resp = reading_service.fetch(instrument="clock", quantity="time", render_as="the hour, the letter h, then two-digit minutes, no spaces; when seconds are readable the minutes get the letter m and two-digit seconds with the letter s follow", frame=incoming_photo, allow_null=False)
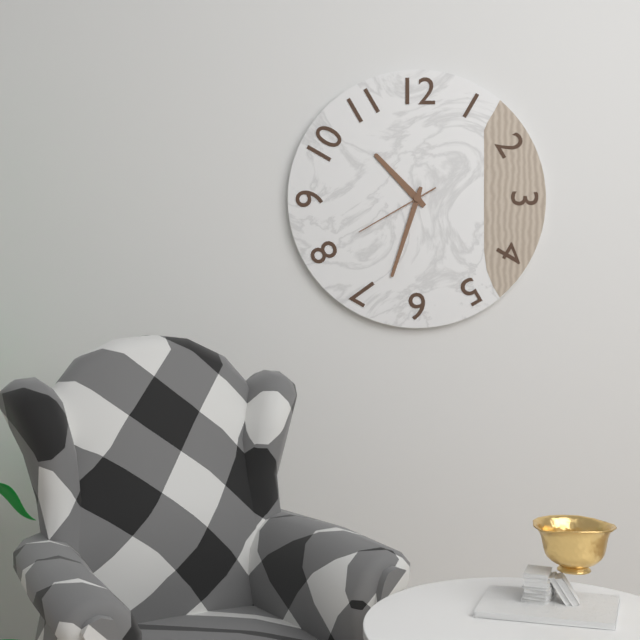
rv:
10h33m40s
